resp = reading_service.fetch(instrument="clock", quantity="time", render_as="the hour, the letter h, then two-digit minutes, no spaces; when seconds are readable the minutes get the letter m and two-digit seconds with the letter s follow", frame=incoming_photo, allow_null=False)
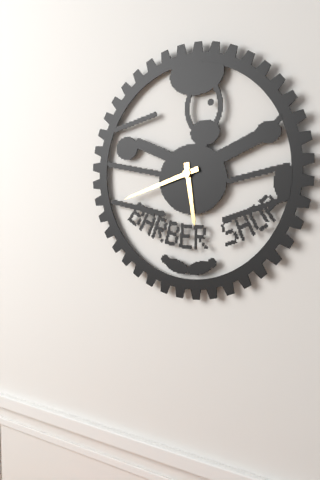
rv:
5h42
